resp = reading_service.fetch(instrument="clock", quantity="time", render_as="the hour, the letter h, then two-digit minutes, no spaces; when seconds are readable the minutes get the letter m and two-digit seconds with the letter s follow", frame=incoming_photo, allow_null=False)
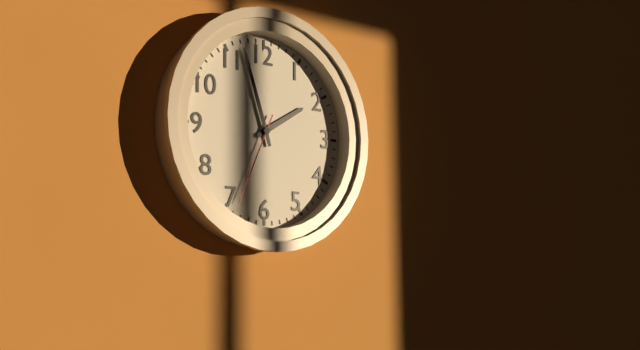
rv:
1h57m34s
